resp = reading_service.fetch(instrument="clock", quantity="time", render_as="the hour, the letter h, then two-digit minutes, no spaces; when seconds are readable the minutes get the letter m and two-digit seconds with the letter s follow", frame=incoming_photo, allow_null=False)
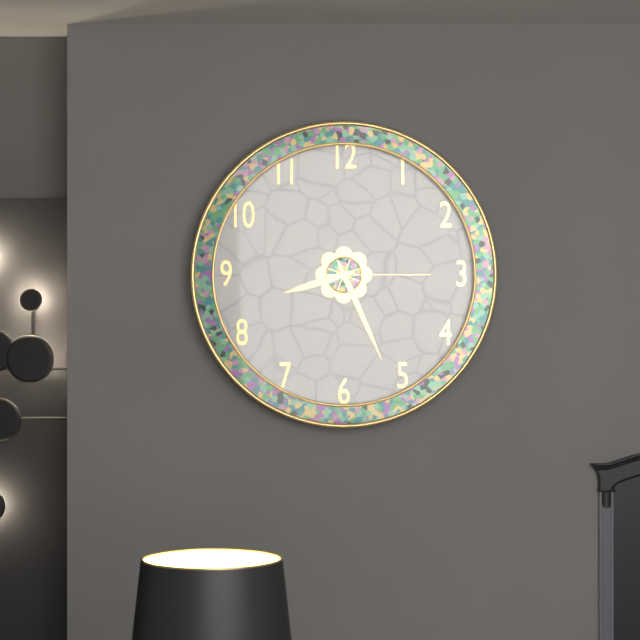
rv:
8h26m15s
